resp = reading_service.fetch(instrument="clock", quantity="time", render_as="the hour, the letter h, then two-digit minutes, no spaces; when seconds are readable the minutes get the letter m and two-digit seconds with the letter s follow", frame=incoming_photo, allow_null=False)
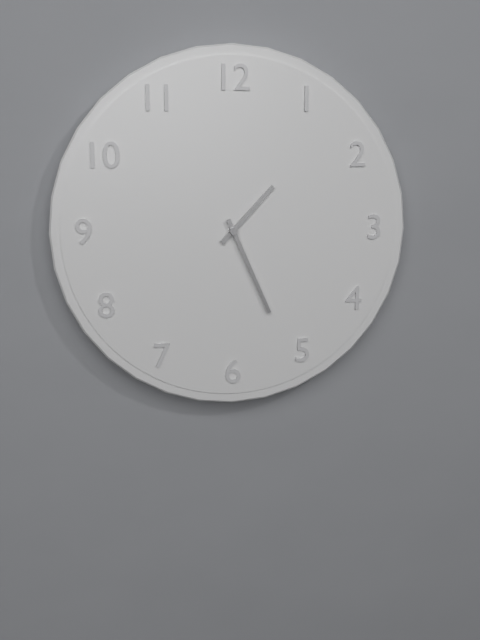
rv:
1h26
